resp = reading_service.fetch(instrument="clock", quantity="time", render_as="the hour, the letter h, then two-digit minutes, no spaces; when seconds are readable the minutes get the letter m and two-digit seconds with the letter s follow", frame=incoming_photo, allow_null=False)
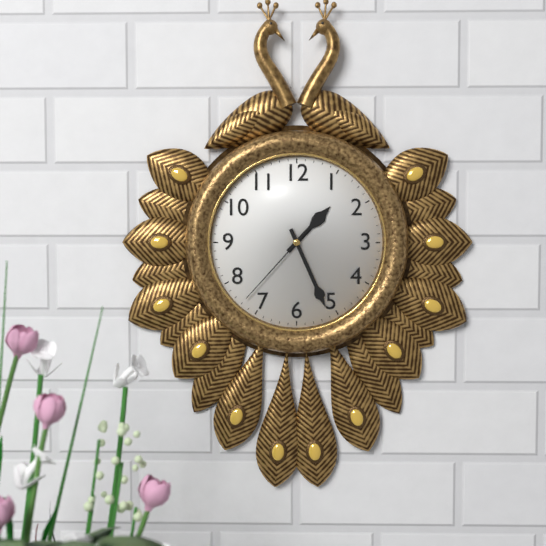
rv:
1h26m37s
